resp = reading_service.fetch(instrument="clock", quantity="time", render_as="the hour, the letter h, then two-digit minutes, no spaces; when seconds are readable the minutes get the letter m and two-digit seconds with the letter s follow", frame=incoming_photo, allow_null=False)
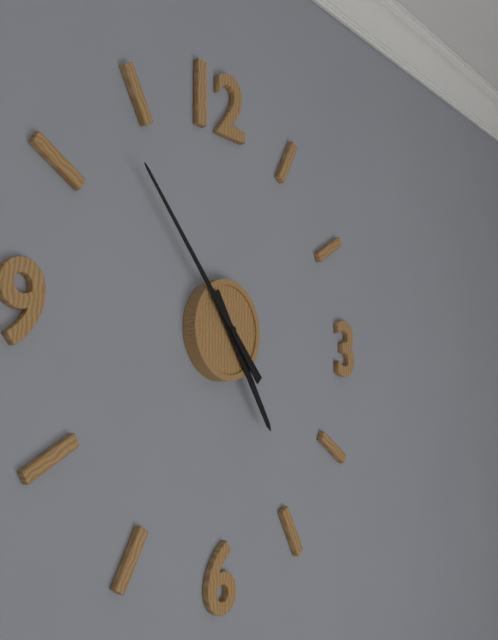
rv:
4h53
